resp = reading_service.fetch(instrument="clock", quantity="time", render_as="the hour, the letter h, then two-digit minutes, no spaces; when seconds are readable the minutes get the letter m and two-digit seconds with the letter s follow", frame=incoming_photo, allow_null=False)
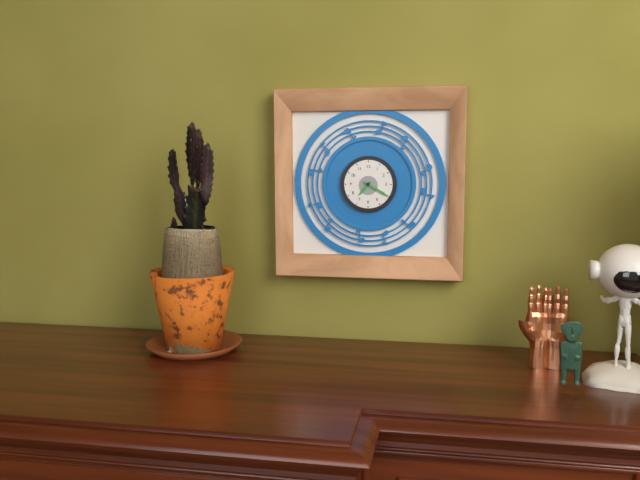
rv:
7h20
